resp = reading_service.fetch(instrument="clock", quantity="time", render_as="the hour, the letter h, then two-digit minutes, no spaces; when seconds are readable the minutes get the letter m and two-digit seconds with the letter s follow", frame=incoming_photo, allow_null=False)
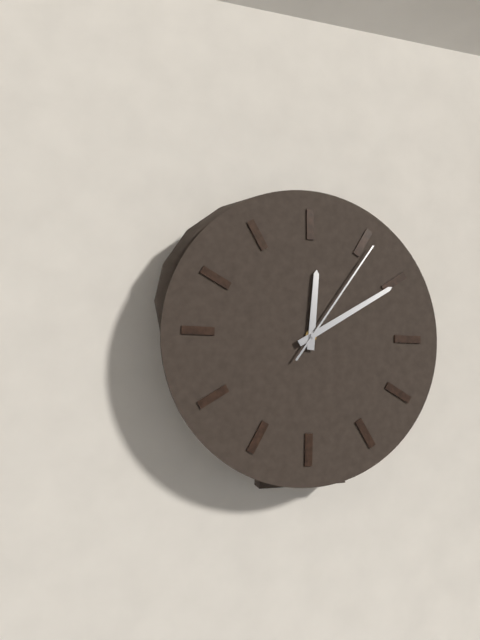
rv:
12h10m06s
